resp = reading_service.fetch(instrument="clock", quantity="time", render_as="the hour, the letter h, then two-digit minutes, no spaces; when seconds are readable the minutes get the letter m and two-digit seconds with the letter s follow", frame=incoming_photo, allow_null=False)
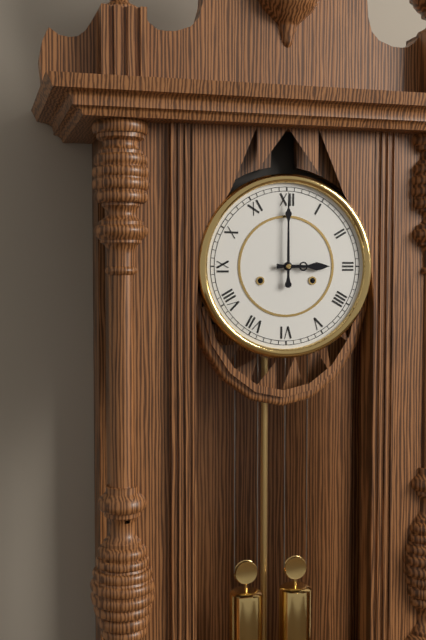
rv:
3h00
